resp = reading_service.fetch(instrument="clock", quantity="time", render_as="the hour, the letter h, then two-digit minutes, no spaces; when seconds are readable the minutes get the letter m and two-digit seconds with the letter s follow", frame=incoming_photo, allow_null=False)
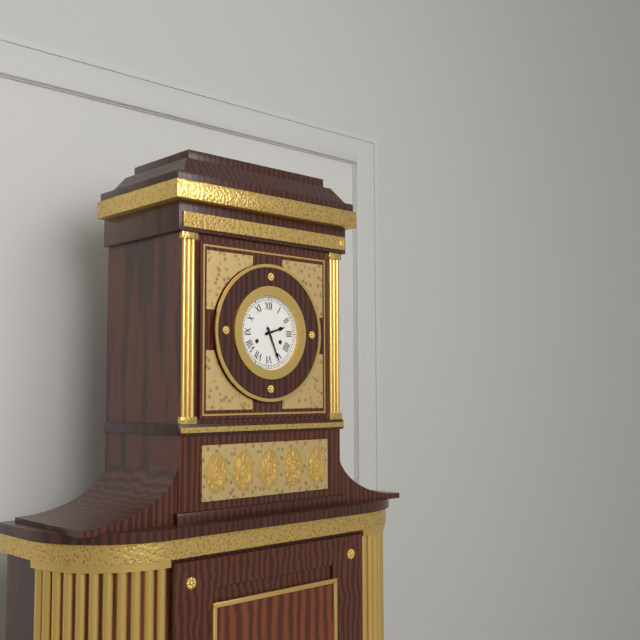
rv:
2h26
